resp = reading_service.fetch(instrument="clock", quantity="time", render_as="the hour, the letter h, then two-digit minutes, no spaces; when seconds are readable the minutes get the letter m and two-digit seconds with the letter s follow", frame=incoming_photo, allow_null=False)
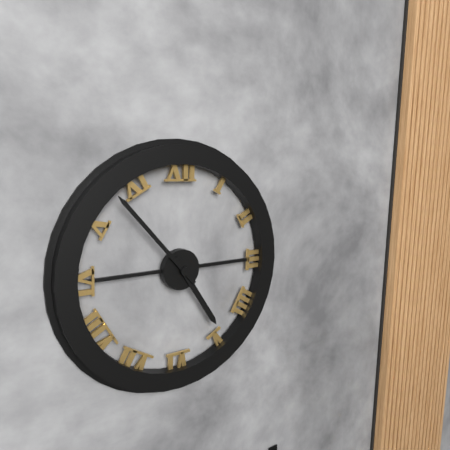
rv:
4h53
